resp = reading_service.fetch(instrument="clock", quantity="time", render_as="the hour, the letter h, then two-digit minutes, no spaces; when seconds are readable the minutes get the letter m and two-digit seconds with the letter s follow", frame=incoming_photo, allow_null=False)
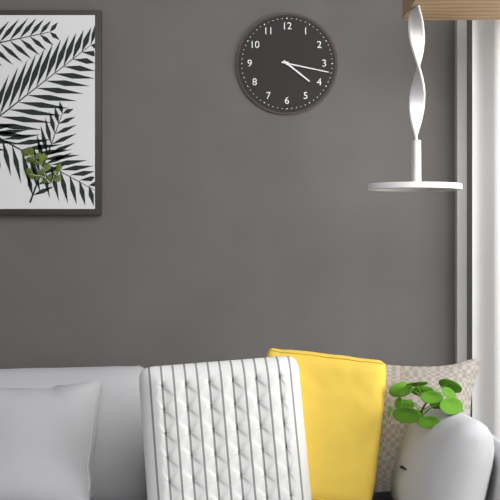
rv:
4h17
